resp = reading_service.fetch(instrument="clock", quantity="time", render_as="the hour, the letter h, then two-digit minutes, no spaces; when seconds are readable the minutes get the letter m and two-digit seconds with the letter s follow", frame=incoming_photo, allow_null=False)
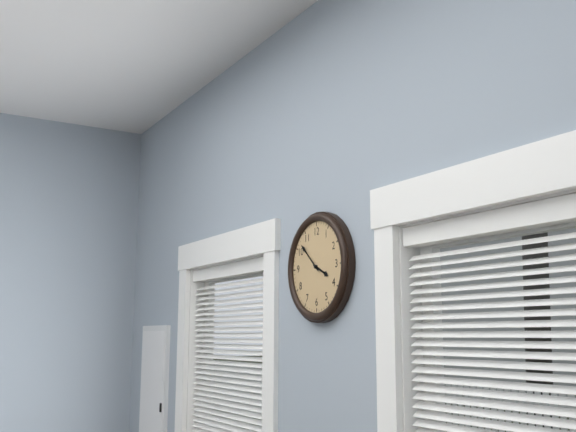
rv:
3h52
